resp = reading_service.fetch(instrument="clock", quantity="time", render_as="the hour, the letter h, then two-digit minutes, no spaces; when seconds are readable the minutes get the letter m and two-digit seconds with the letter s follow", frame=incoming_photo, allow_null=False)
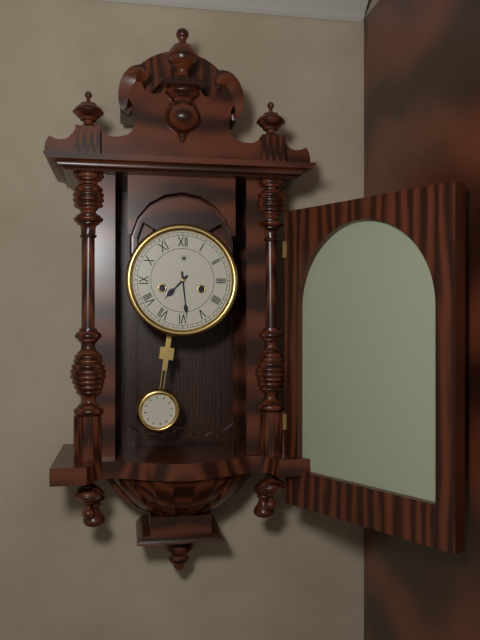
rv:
7h29
